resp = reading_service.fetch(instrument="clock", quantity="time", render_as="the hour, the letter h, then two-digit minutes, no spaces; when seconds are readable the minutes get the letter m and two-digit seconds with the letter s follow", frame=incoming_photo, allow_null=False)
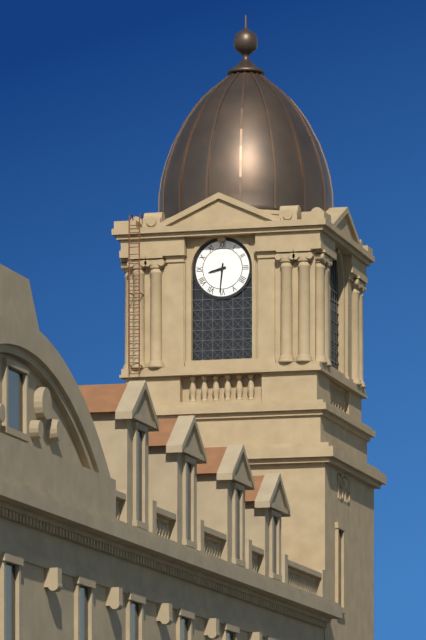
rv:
8h31
